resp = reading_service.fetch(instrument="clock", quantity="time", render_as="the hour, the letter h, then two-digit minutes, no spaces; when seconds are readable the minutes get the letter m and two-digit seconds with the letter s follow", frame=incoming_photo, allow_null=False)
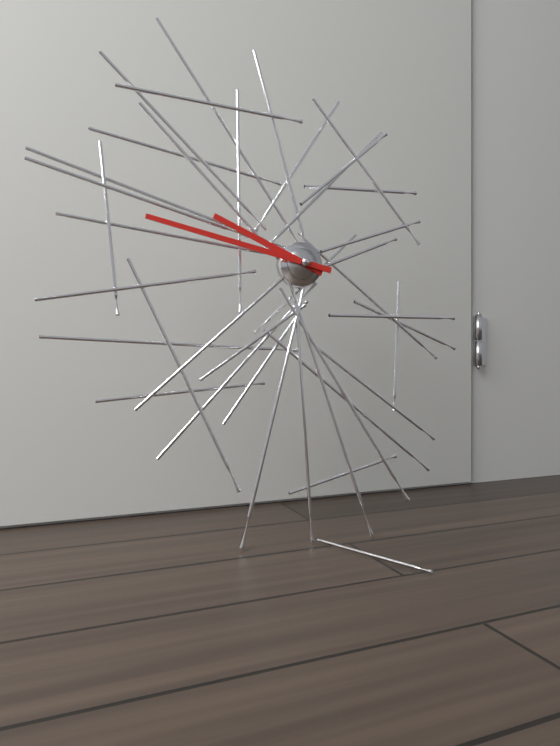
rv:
9h47
